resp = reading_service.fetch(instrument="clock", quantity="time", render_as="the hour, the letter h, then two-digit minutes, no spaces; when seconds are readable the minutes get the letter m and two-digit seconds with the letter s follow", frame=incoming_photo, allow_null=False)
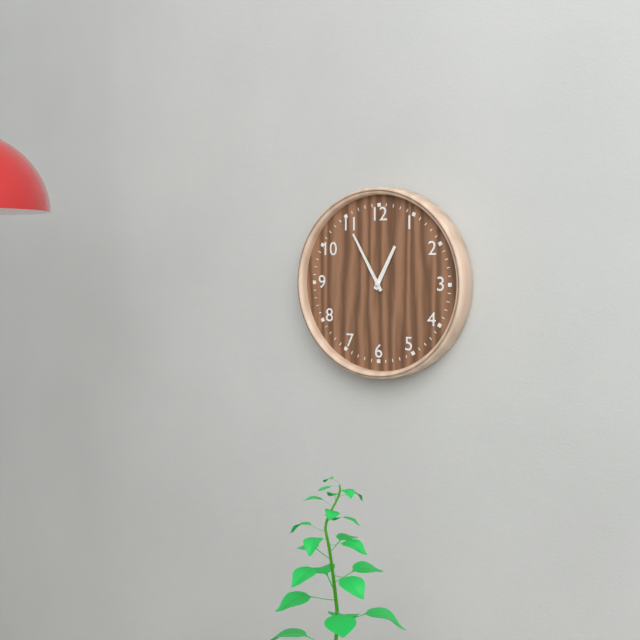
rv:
12h55
